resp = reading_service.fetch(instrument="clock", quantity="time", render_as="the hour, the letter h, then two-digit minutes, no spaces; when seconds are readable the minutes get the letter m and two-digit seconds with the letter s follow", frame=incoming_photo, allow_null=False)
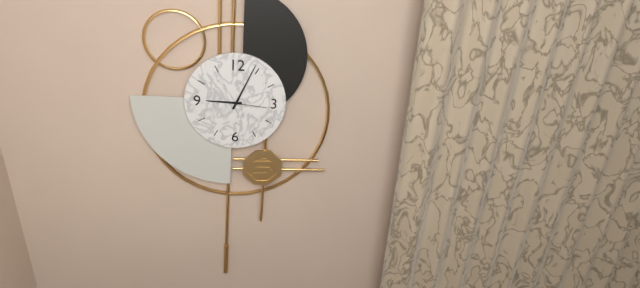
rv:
9h04
